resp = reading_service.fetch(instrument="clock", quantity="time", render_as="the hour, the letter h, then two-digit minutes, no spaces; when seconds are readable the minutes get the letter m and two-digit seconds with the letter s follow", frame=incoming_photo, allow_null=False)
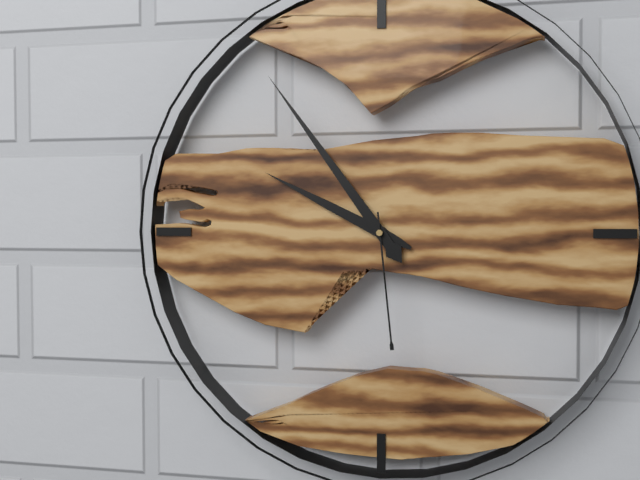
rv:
9h54m29s
